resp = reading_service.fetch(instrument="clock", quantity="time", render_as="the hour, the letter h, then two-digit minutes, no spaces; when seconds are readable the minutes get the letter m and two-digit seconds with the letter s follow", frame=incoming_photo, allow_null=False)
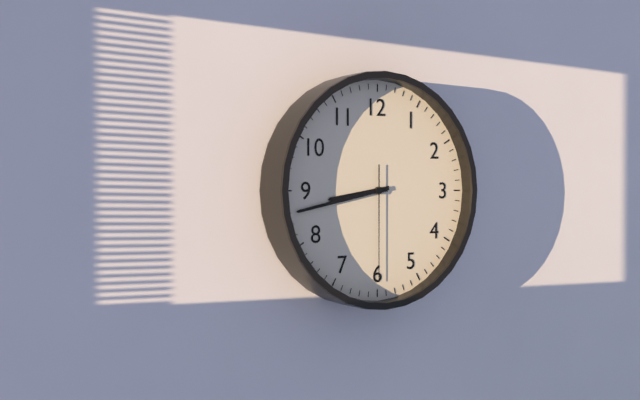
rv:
8h43m30s
